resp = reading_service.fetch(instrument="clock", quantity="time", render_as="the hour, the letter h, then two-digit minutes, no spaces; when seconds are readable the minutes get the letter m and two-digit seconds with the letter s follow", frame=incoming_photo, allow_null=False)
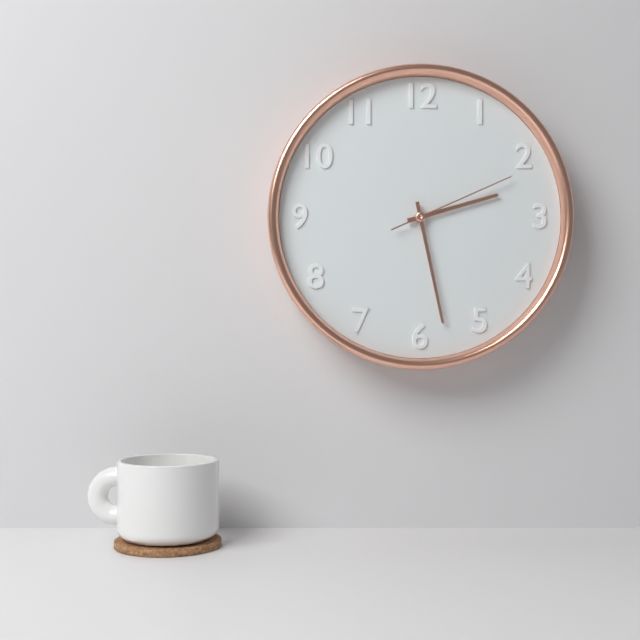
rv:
2h28m11s
